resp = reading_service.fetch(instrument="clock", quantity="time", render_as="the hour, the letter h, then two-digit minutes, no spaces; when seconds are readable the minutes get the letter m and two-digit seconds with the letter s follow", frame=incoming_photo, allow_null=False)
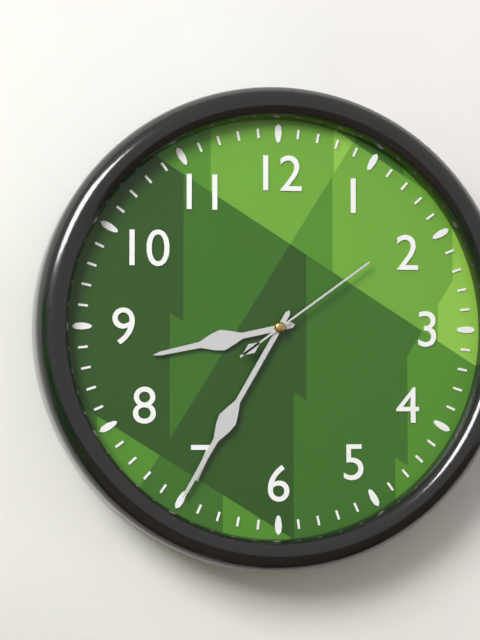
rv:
8h35m09s
